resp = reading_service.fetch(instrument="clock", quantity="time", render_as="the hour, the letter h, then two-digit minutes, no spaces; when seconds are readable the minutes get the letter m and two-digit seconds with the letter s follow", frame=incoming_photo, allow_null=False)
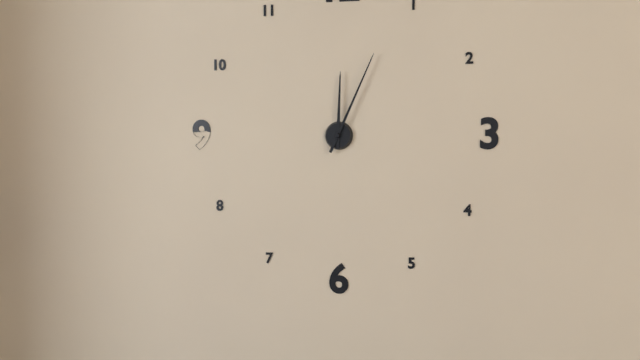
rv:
12h04
